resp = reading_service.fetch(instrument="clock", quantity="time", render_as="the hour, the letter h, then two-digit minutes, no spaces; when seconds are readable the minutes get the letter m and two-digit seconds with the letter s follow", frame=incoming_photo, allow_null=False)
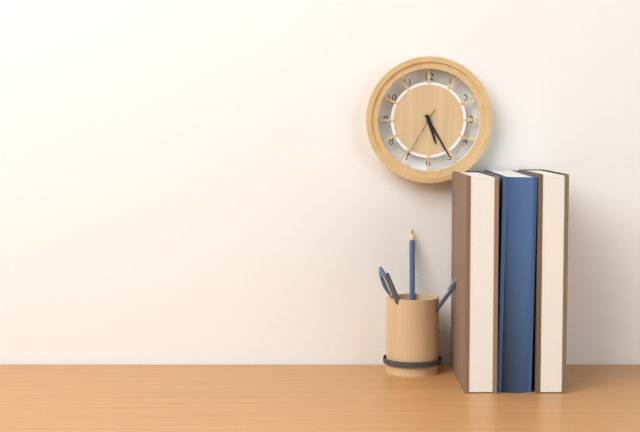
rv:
5h25m35s
